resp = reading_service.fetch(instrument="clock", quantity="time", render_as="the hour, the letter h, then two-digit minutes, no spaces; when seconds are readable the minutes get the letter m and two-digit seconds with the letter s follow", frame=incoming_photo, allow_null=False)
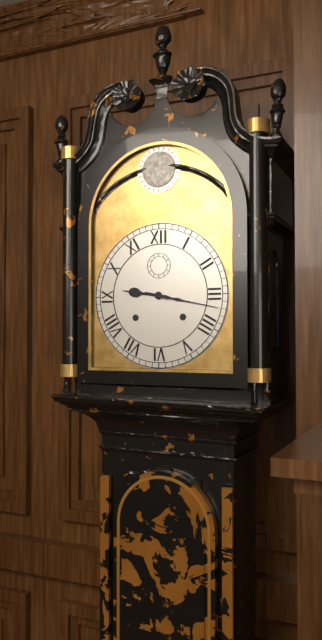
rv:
9h17
